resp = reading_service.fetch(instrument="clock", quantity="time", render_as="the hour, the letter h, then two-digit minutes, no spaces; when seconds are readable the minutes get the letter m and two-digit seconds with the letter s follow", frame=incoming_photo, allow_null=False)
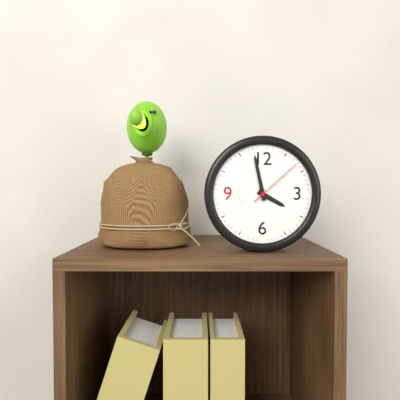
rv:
3h58m08s
